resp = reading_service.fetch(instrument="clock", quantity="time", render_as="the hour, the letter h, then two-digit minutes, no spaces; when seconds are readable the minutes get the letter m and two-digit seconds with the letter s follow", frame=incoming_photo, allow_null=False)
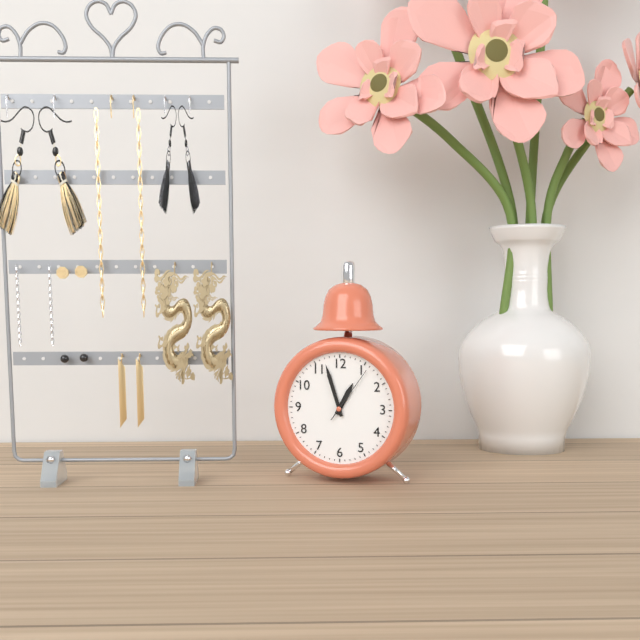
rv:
12h57m06s
